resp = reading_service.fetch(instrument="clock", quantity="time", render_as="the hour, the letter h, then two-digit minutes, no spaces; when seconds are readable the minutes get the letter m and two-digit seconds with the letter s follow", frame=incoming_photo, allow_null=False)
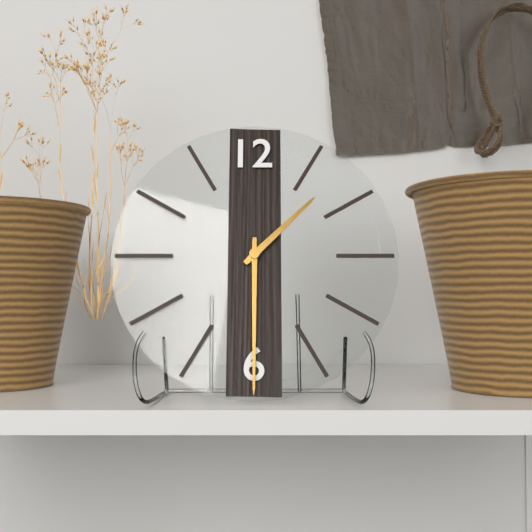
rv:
1h30
